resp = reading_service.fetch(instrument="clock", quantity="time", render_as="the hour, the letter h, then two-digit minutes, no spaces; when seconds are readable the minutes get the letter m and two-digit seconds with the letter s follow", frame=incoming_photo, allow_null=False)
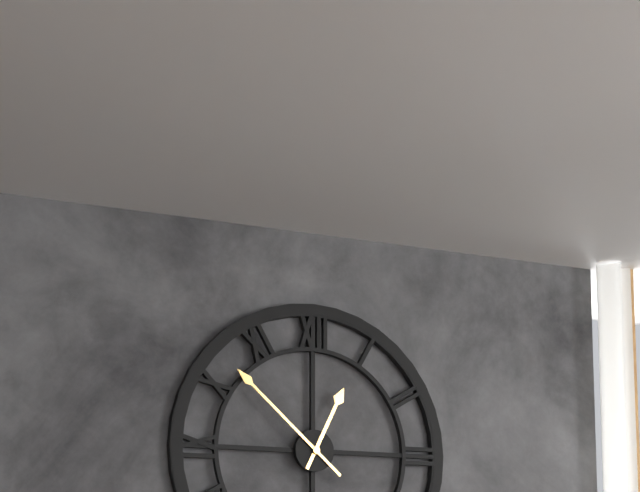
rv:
12h52
